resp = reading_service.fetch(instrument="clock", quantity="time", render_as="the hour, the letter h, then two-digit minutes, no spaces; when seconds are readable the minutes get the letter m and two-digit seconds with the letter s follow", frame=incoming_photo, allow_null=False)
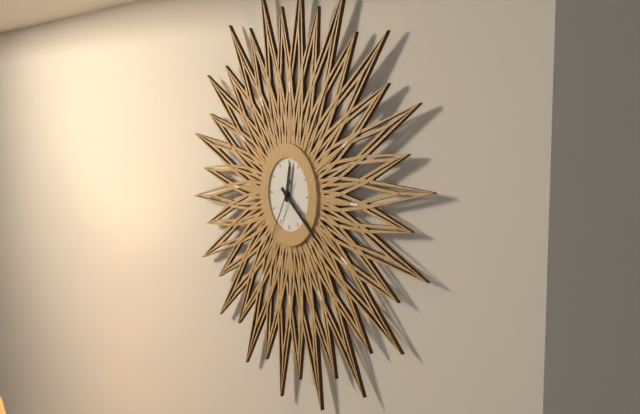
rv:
12h21m35s
